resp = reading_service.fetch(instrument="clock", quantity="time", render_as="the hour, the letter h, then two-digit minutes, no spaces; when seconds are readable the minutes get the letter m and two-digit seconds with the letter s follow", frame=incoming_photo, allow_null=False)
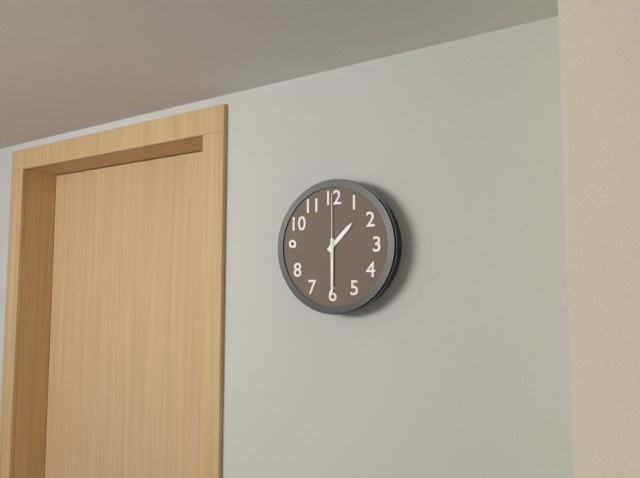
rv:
1h30m00s
